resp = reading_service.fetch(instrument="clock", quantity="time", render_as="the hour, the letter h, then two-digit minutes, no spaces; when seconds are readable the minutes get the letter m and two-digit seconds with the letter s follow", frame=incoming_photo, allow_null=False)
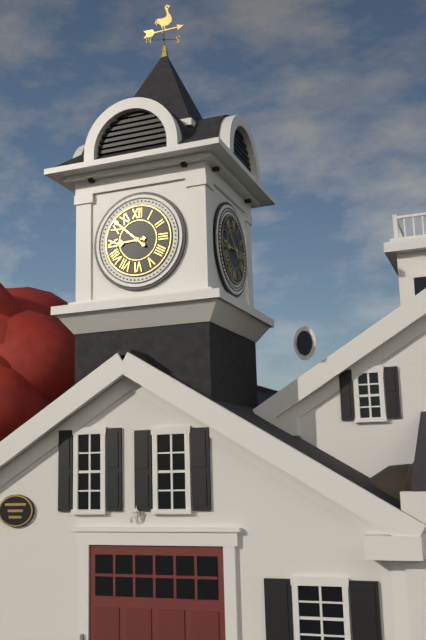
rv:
8h52
